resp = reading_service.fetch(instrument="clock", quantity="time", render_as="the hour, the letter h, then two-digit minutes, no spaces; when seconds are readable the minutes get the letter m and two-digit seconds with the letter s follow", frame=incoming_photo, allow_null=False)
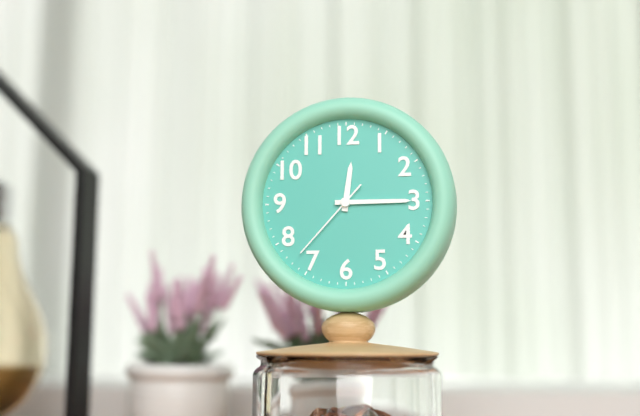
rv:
12h15m37s
